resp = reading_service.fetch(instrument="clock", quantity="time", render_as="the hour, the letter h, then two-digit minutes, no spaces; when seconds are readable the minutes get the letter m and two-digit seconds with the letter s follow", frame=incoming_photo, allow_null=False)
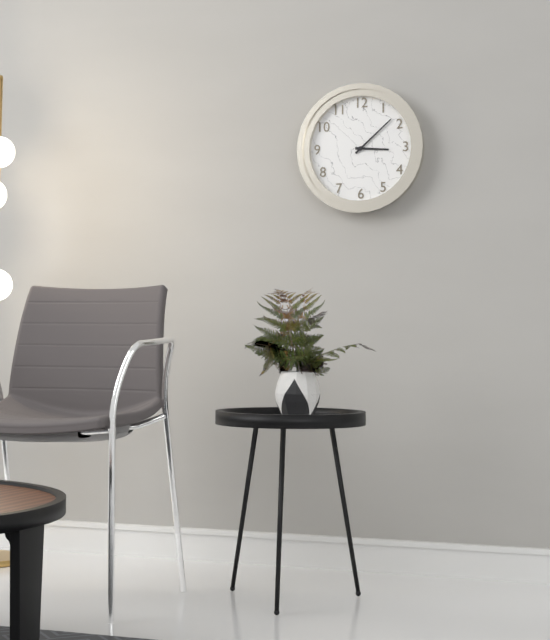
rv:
3h08
